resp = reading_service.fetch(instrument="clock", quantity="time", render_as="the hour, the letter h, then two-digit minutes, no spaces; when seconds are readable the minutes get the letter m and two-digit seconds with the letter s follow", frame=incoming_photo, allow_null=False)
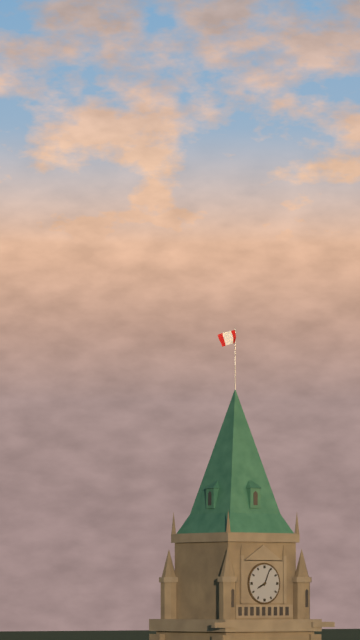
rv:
8h04
